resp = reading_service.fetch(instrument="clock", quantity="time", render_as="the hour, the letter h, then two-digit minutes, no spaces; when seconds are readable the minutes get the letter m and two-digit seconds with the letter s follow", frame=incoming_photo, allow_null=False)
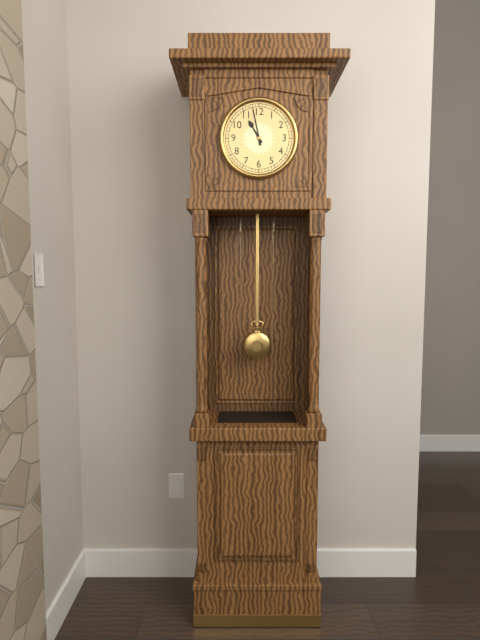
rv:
10h58
